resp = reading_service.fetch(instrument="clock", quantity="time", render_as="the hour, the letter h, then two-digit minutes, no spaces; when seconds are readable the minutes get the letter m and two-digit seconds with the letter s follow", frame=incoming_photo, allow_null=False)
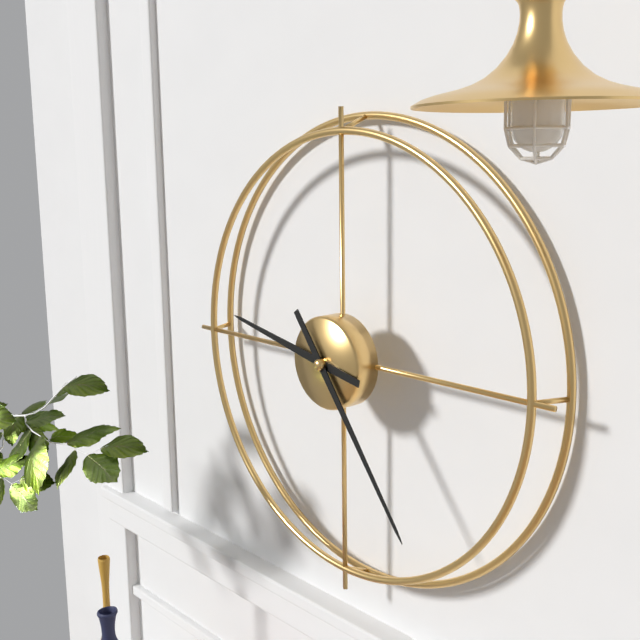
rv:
9h24
